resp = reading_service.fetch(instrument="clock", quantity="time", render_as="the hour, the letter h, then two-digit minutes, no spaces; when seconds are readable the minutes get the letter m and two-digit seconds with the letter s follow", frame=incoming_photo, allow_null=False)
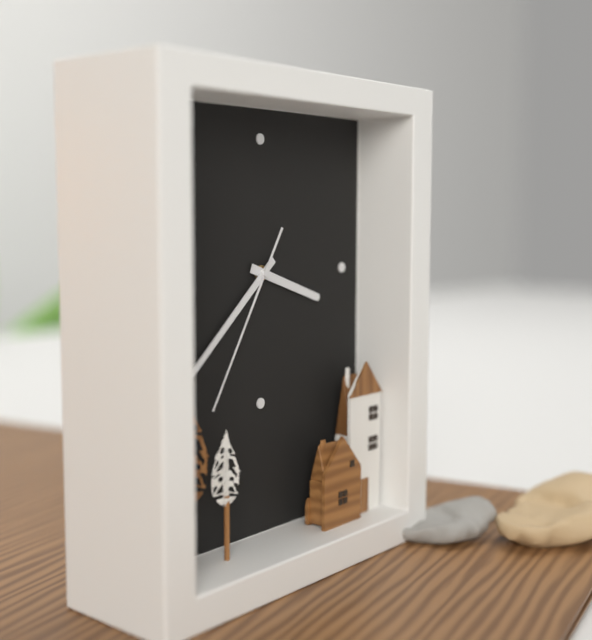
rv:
3h38m35s
